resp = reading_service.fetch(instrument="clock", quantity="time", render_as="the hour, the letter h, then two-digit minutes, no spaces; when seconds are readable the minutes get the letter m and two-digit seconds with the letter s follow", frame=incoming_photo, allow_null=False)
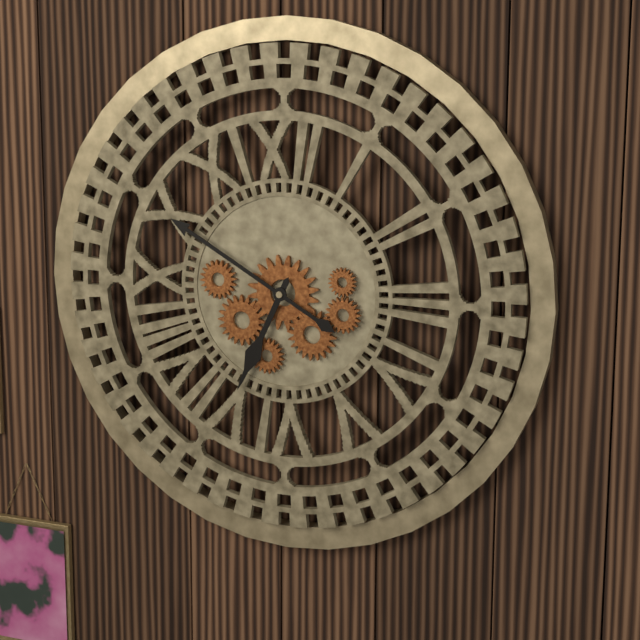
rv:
6h50
